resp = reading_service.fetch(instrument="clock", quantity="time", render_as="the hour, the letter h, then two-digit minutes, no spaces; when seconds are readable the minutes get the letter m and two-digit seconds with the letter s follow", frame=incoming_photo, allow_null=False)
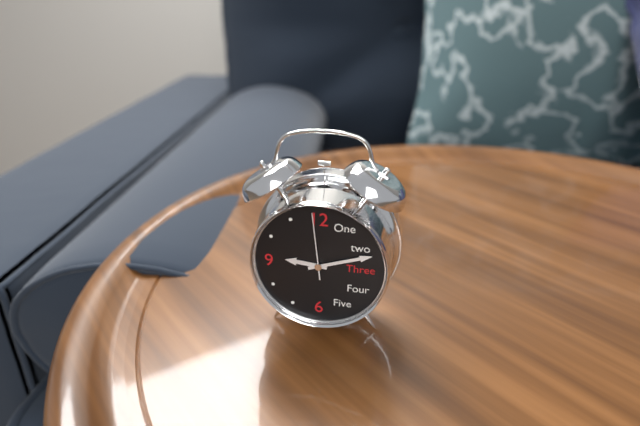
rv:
9h12m59s
